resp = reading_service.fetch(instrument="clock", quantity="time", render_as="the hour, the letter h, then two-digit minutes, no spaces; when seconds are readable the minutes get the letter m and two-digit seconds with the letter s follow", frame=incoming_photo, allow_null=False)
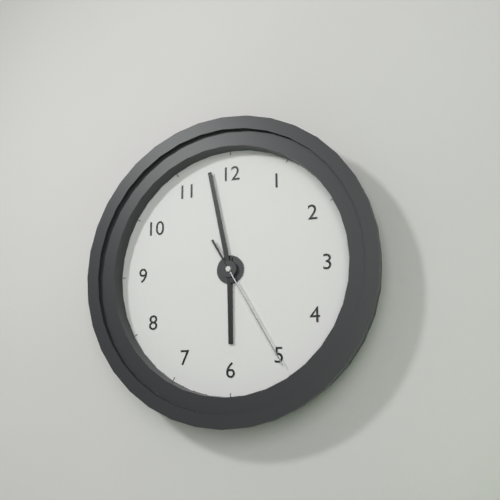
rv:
5h58m25s
